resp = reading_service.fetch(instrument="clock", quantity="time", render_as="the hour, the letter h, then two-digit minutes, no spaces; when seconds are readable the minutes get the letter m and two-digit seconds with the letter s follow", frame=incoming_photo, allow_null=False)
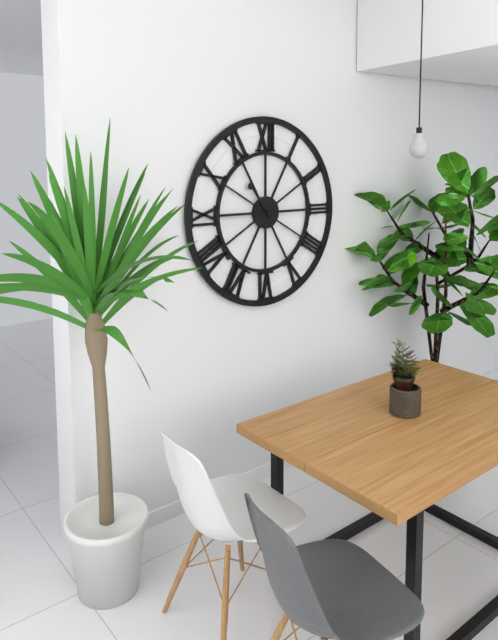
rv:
10h45
